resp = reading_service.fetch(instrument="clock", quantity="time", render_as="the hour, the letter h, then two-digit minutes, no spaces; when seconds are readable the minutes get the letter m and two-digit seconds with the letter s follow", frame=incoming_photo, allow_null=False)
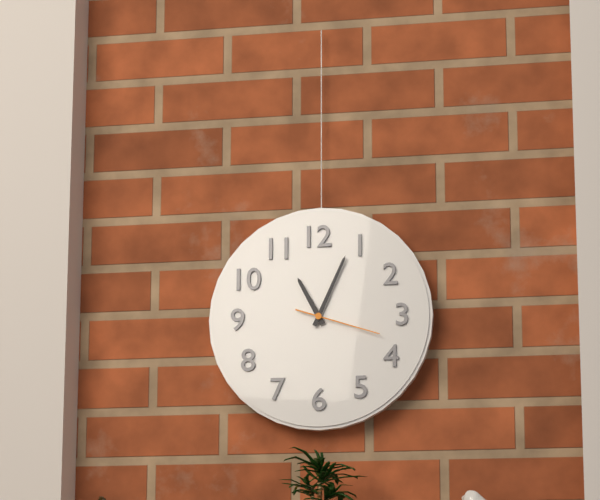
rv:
11h04m18s
